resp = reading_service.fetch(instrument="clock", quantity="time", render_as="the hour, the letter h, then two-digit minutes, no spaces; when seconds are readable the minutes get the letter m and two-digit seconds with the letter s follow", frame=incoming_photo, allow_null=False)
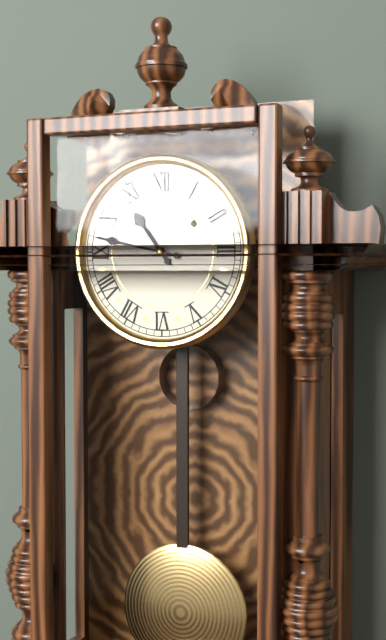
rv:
10h47
